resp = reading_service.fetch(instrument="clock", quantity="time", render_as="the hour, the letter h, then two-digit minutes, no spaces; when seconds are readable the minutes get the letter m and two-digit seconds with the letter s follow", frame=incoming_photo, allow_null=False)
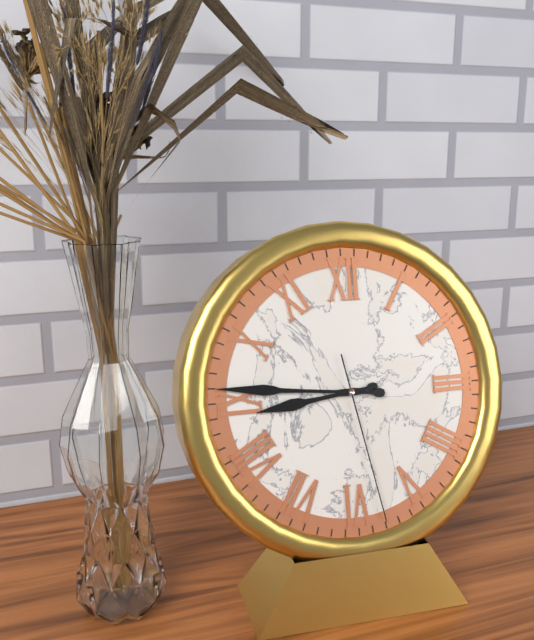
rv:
8h46m28s
